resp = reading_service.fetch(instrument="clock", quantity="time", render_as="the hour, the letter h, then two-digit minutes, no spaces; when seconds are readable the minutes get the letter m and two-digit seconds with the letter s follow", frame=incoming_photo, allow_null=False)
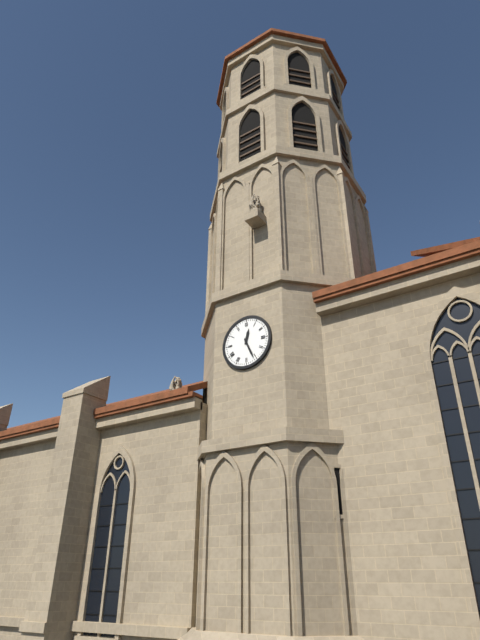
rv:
12h26
